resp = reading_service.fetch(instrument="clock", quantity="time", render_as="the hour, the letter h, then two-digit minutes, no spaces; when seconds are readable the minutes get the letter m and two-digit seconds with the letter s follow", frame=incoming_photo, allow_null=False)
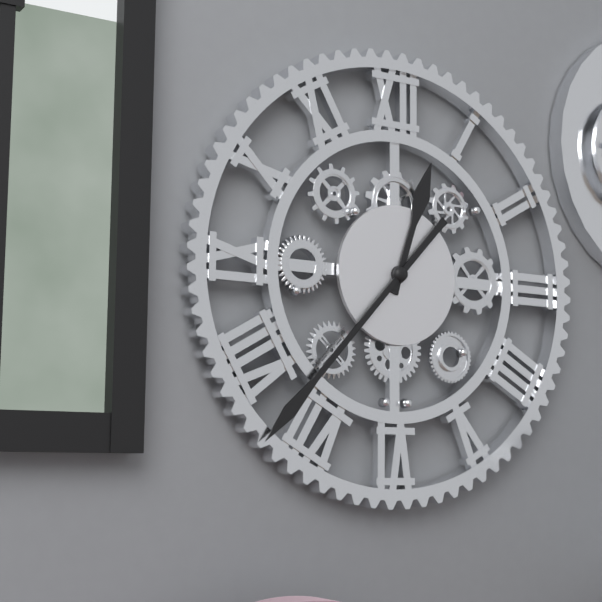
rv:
12h37
